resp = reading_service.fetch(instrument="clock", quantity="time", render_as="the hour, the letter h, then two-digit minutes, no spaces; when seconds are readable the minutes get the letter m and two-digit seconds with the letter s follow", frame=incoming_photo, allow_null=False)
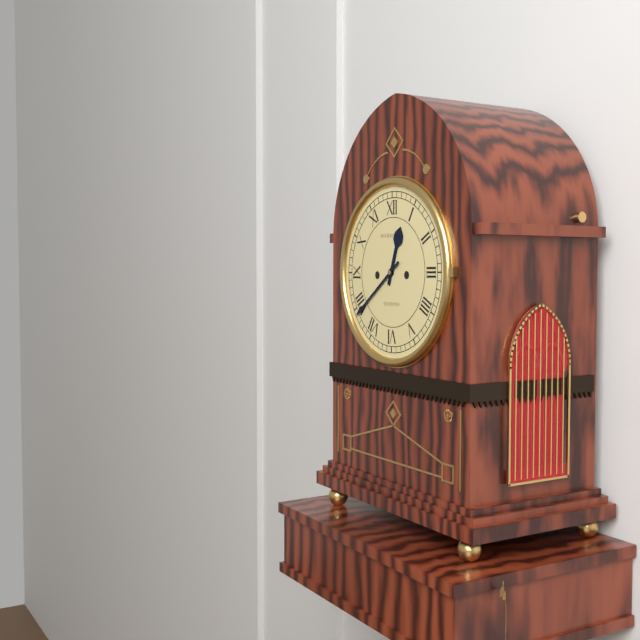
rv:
12h39
